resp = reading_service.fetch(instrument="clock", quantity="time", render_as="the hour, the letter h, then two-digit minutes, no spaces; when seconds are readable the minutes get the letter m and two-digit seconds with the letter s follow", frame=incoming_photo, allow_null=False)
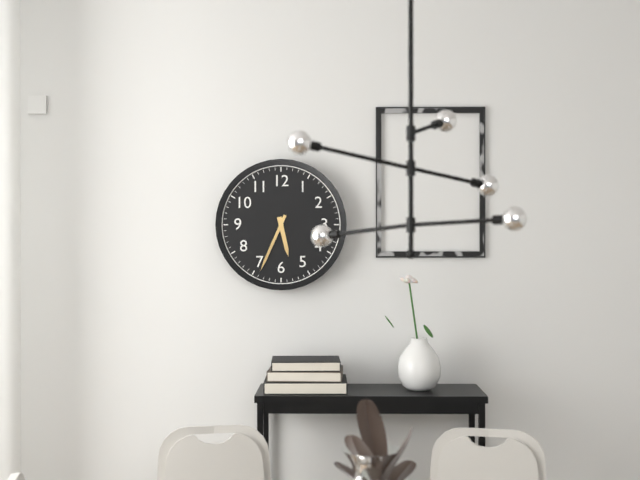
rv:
5h34
